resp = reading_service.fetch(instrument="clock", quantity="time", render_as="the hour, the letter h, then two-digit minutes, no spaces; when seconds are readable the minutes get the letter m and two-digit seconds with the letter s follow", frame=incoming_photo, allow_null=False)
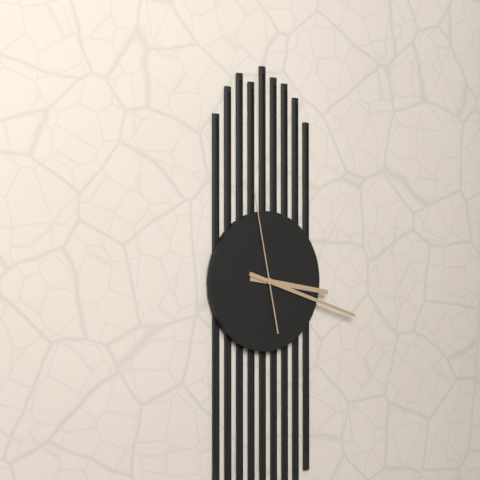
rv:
3h18m58s
